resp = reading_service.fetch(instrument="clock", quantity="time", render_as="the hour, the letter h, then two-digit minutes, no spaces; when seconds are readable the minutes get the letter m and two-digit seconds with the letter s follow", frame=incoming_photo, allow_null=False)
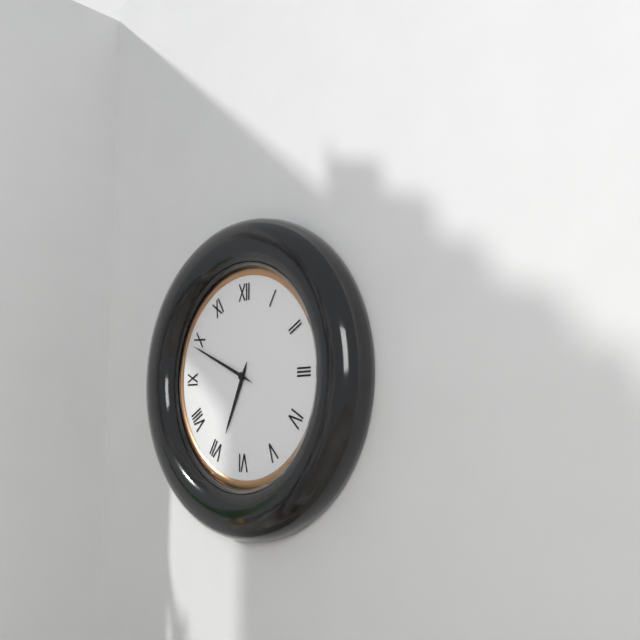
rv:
6h49
